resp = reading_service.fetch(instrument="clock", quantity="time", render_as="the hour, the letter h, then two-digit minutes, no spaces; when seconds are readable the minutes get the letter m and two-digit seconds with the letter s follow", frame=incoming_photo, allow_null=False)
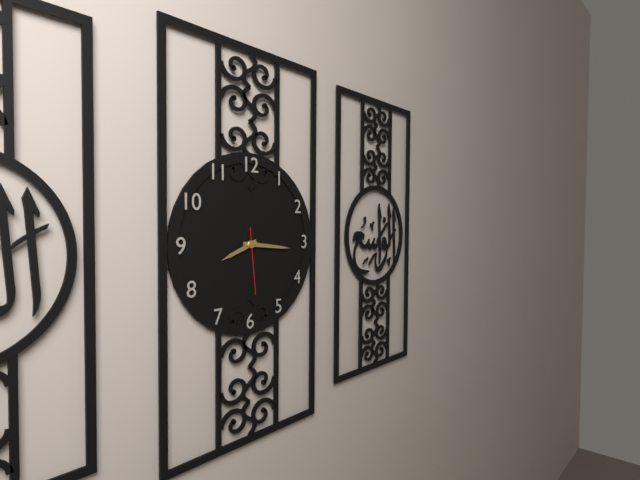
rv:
8h16m29s
